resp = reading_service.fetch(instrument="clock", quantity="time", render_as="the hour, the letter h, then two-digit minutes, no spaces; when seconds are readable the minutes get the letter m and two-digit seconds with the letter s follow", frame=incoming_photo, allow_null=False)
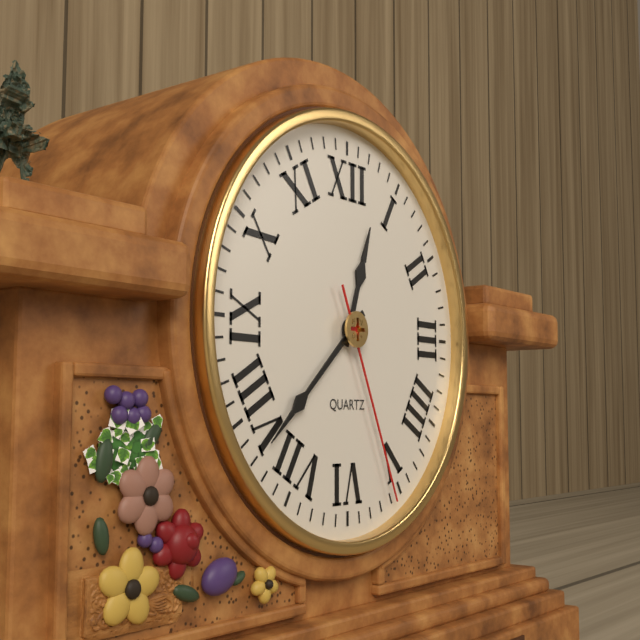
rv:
12h38m26s
